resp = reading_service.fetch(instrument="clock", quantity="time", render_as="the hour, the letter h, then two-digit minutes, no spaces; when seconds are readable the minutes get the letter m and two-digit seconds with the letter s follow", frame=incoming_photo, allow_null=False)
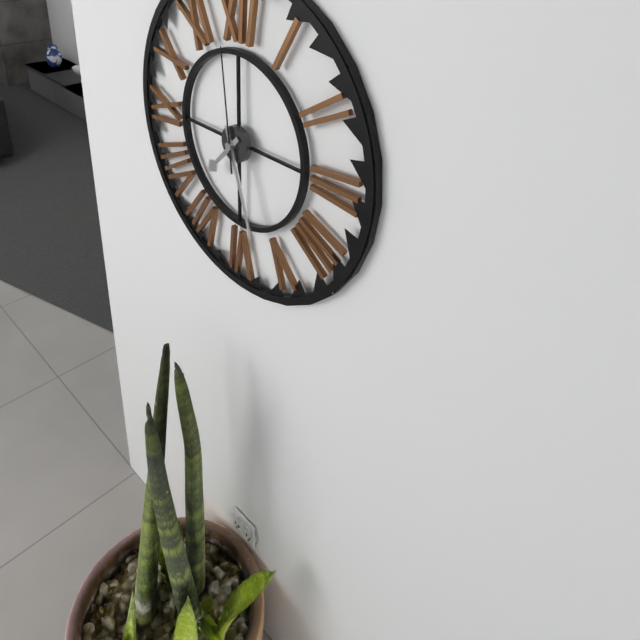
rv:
7h27m59s
